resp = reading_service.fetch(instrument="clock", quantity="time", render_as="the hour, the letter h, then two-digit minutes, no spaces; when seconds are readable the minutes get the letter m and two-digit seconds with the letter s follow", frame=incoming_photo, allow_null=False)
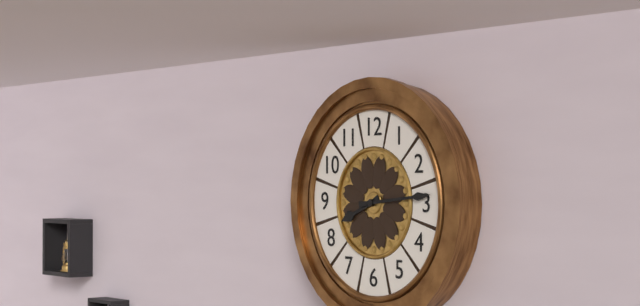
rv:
8h14
